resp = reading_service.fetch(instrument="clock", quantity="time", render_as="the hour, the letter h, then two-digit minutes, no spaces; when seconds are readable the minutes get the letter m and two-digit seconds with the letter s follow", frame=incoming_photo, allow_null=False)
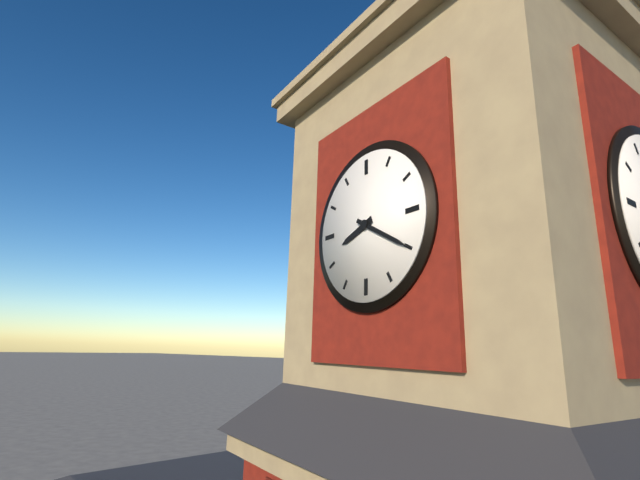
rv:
8h20
